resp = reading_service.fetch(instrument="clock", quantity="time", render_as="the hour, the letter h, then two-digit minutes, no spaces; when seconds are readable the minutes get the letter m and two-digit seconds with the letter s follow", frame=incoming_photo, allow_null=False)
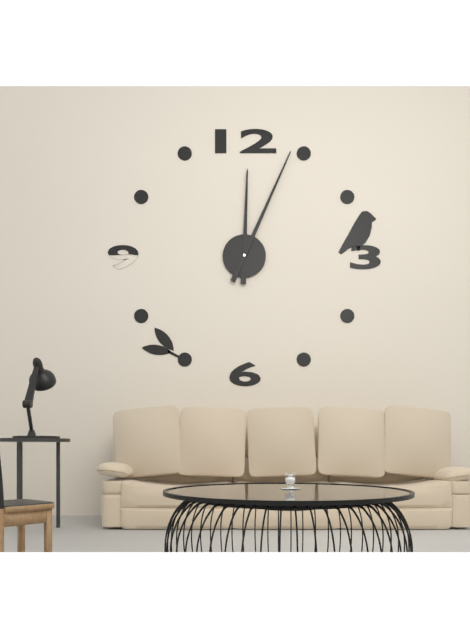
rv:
12h04
